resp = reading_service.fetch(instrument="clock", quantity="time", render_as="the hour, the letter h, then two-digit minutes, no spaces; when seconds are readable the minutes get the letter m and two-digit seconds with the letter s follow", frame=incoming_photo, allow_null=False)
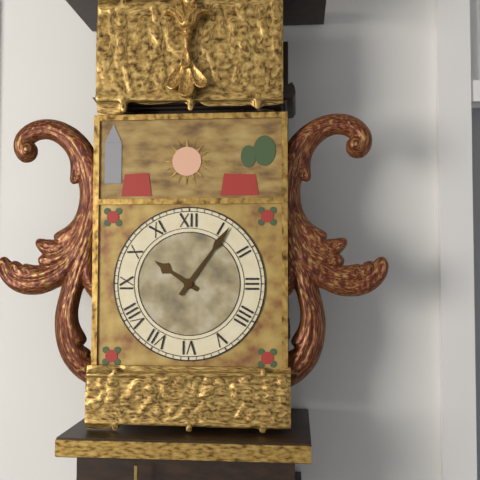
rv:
10h06
